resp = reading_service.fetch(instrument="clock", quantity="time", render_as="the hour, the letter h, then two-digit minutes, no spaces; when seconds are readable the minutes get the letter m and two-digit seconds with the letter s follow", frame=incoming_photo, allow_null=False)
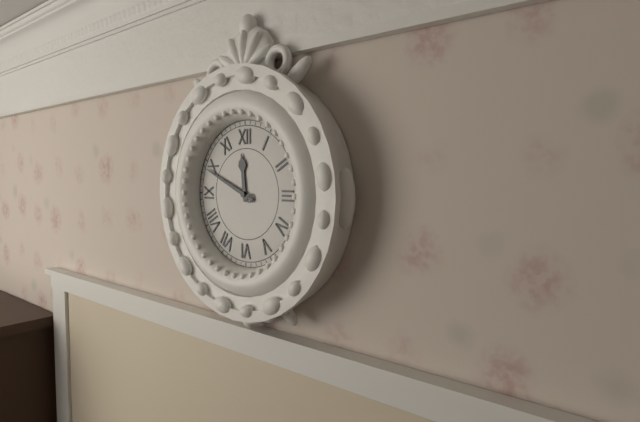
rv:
11h49
